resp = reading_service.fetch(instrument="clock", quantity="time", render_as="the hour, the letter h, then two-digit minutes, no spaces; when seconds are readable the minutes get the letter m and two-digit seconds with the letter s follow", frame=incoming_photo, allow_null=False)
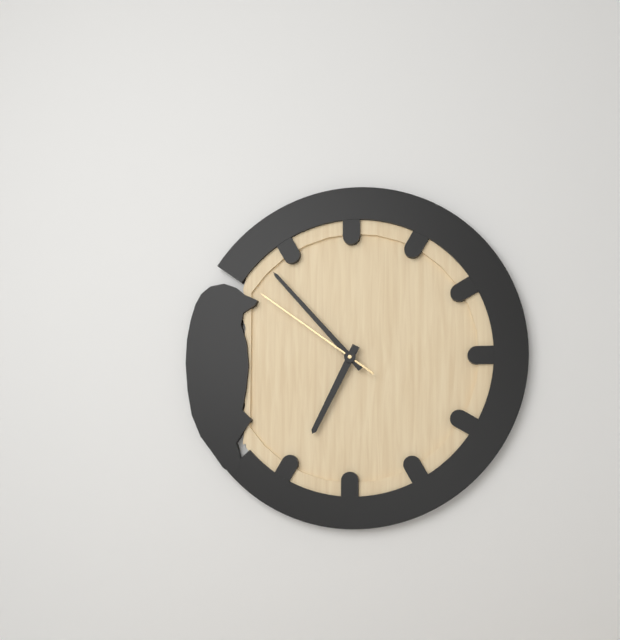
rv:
6h53m51s
